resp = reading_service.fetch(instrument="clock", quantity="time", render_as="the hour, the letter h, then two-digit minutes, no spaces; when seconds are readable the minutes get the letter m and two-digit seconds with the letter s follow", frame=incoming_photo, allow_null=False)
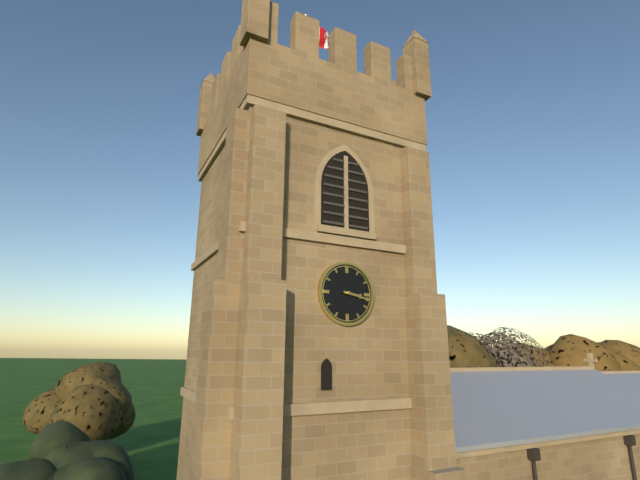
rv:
3h17
